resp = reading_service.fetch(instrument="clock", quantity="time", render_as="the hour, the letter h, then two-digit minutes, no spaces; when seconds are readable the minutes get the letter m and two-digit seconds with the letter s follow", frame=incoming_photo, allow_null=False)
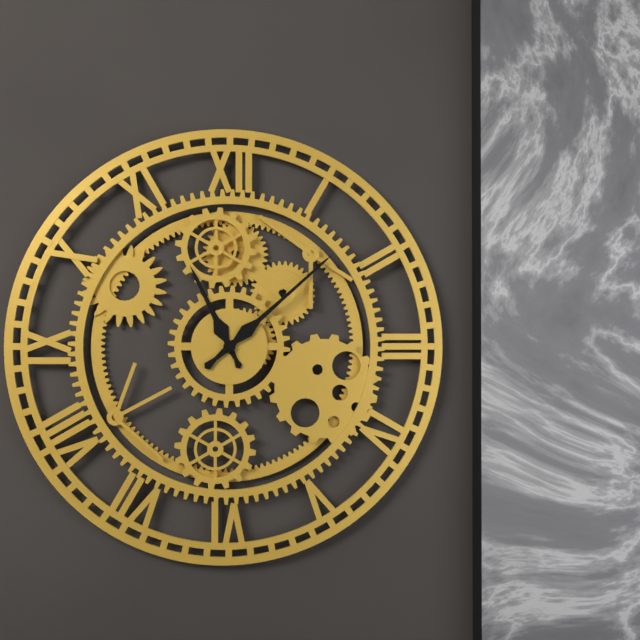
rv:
11h08
